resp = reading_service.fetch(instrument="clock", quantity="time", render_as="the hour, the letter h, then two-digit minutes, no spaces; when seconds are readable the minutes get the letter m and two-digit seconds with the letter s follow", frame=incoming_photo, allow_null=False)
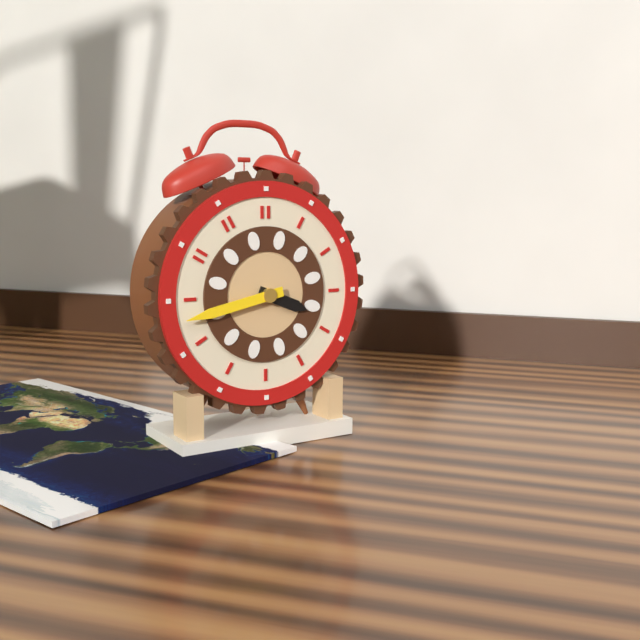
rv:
3h43
